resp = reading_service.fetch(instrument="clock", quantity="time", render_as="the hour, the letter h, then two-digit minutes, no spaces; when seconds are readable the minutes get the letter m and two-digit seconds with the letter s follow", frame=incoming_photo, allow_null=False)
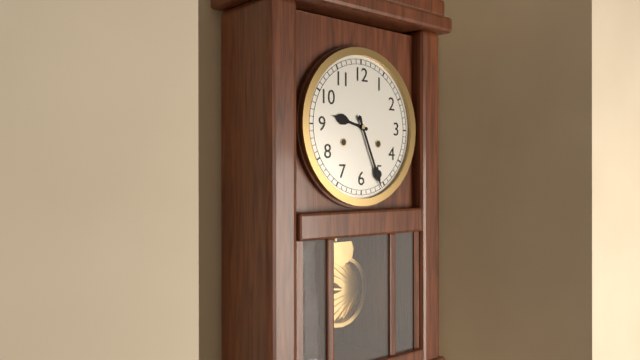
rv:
9h26
